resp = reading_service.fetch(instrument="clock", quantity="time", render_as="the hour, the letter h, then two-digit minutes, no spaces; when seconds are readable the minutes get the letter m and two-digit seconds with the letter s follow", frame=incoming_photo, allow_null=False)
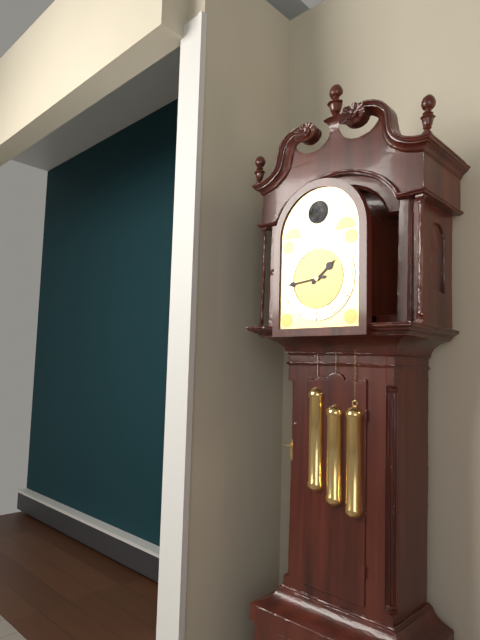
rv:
1h44
